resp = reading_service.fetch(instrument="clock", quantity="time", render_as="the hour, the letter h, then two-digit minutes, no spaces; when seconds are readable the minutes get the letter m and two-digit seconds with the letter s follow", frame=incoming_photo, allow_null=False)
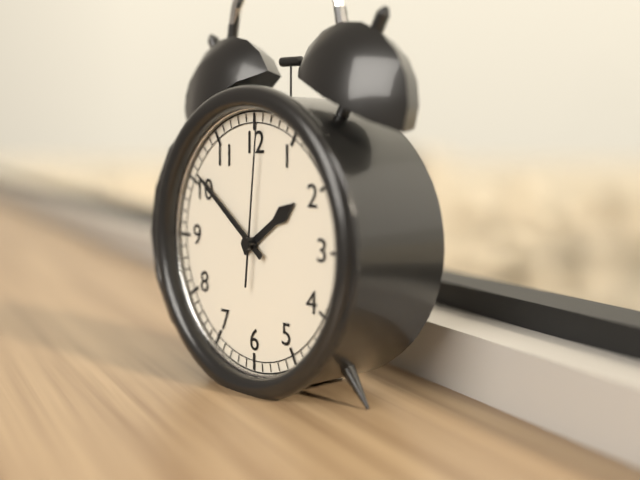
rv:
1h51m01s
